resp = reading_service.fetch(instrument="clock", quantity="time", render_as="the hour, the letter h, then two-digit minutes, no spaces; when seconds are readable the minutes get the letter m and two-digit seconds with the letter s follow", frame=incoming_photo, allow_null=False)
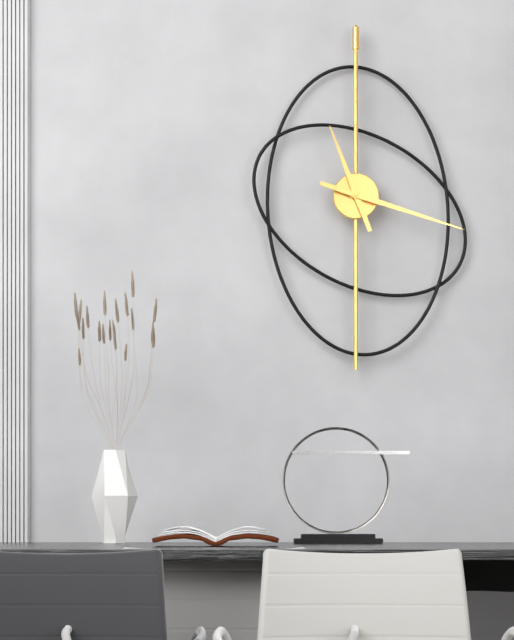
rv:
11h18
